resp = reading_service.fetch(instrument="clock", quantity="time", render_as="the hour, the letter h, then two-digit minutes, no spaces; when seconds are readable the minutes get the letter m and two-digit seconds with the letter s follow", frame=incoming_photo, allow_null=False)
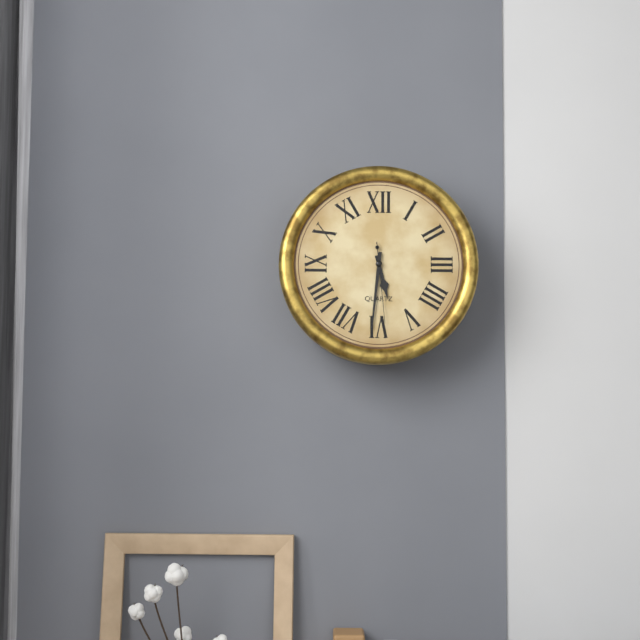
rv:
5h31m29s
